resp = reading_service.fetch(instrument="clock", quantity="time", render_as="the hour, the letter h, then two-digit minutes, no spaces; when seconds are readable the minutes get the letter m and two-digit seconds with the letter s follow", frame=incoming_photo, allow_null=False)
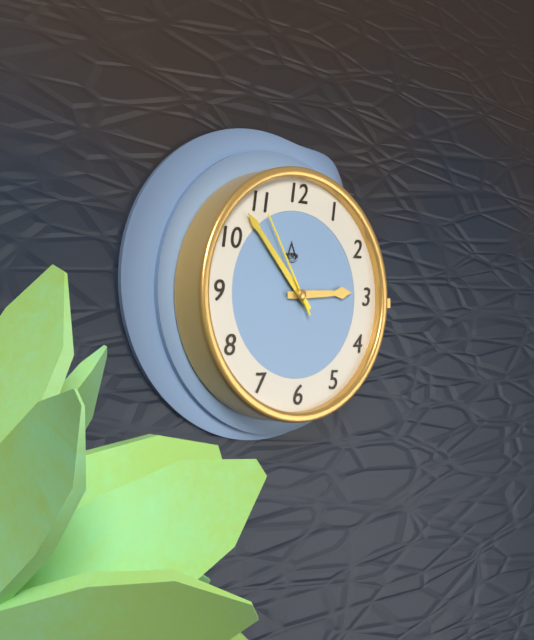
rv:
2h53m55s
